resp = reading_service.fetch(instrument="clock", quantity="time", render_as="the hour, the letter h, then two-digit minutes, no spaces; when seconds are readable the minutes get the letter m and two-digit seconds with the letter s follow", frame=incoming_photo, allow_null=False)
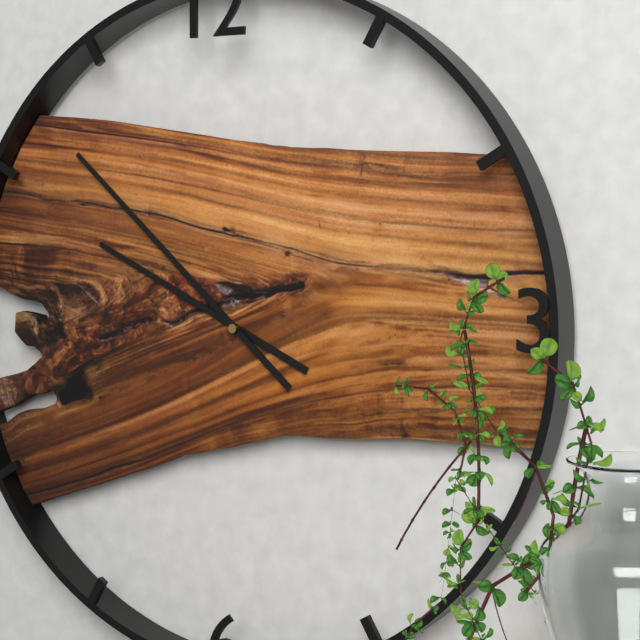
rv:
9h52
